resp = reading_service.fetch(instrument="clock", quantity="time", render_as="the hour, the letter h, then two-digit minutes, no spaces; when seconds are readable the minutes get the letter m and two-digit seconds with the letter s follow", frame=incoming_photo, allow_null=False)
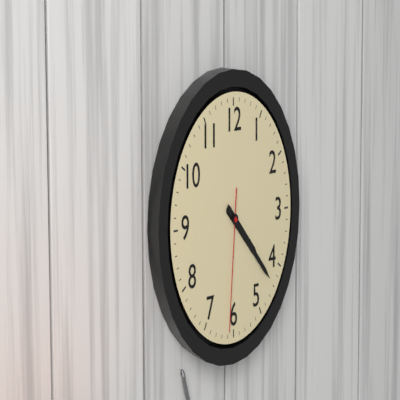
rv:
4h22m31s
